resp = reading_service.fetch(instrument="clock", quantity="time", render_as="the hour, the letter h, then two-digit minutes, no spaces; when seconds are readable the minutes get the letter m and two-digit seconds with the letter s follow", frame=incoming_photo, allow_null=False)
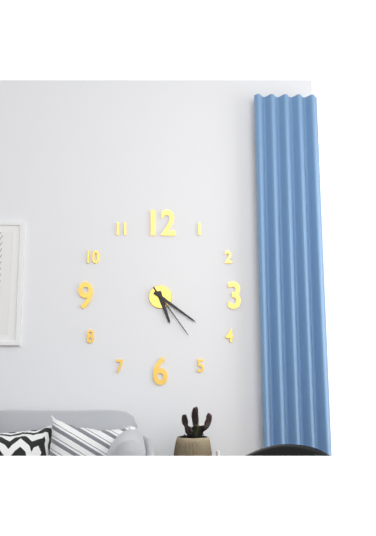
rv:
5h21m24s
